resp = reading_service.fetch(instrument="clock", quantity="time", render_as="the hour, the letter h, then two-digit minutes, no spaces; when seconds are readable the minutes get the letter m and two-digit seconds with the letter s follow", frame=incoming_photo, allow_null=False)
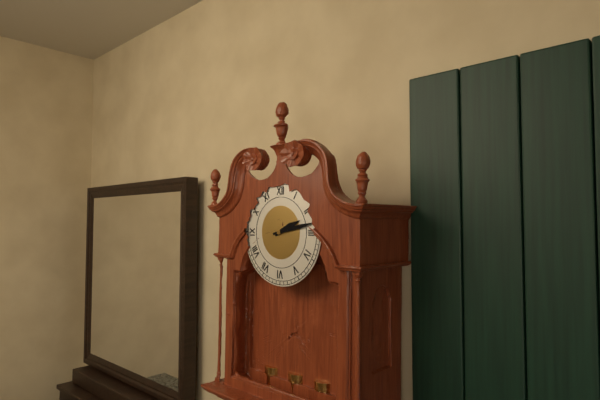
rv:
2h13
